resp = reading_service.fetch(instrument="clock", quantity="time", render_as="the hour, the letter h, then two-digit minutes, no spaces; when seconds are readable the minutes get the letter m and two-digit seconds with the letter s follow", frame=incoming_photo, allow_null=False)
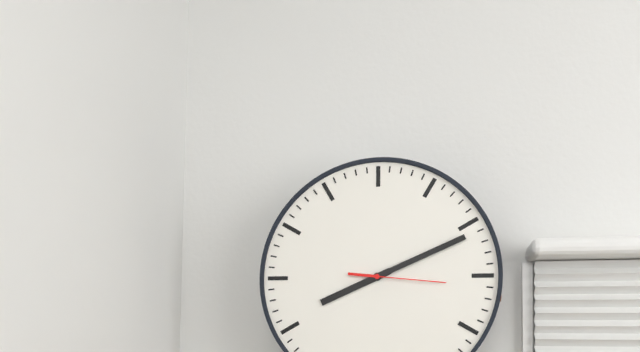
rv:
8h11m16s
